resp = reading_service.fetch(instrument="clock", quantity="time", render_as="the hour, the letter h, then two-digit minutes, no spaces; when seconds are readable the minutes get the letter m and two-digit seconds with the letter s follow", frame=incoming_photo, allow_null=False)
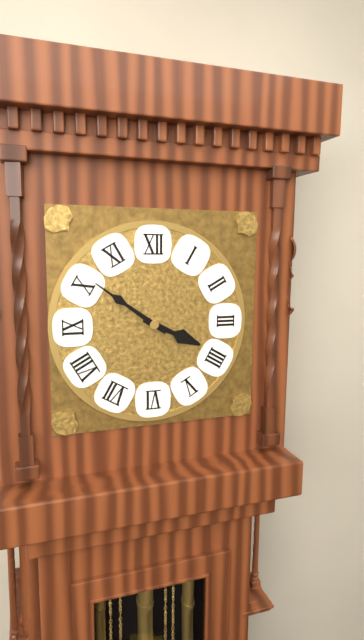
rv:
3h51
